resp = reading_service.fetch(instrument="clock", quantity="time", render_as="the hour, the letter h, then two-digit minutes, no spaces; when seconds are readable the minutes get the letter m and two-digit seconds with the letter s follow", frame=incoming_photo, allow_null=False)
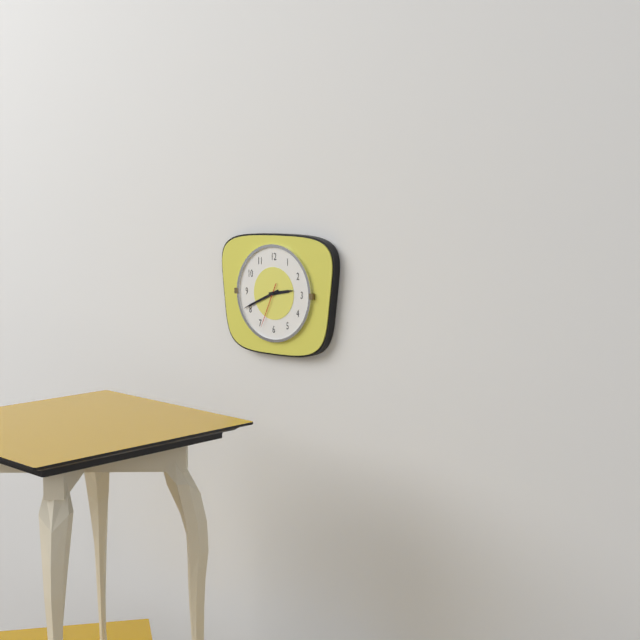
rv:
2h41
